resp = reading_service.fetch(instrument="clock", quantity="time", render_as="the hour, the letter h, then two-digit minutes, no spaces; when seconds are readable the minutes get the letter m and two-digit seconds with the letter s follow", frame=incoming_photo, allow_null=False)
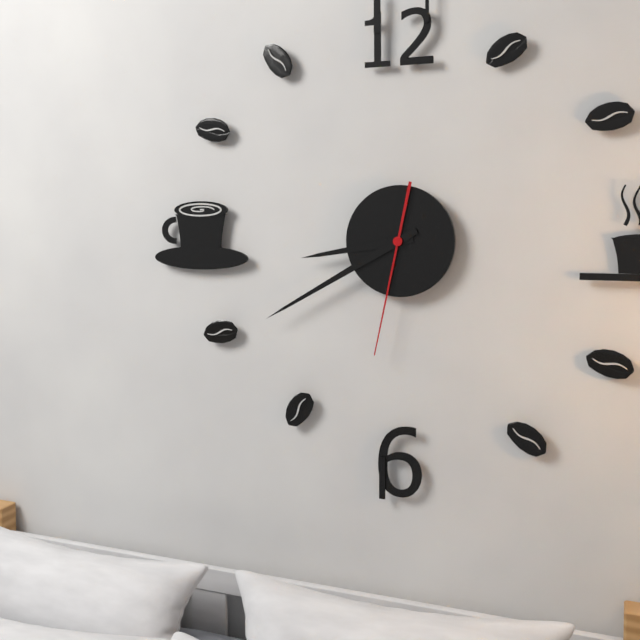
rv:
8h40m32s
